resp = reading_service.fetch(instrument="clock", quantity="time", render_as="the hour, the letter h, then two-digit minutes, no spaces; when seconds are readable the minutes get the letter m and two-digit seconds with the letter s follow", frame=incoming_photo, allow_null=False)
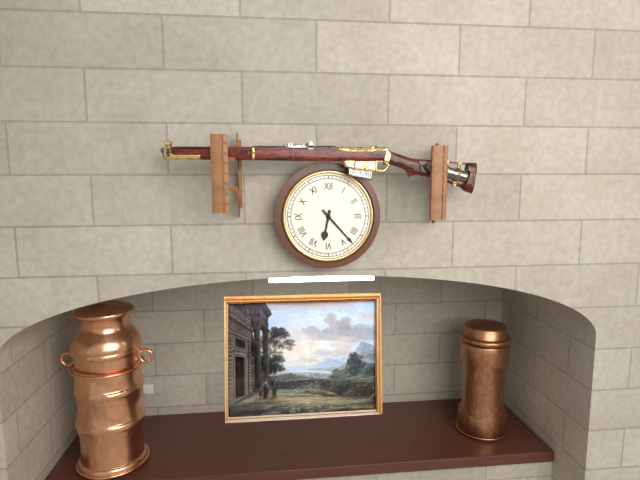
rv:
6h23
